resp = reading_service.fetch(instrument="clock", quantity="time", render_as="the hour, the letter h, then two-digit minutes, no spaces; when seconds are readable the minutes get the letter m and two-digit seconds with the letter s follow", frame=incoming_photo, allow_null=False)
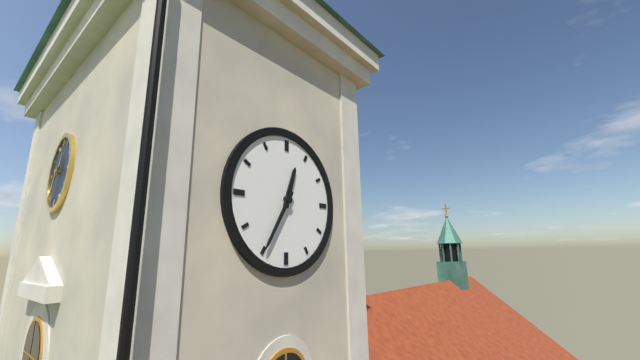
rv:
12h35
